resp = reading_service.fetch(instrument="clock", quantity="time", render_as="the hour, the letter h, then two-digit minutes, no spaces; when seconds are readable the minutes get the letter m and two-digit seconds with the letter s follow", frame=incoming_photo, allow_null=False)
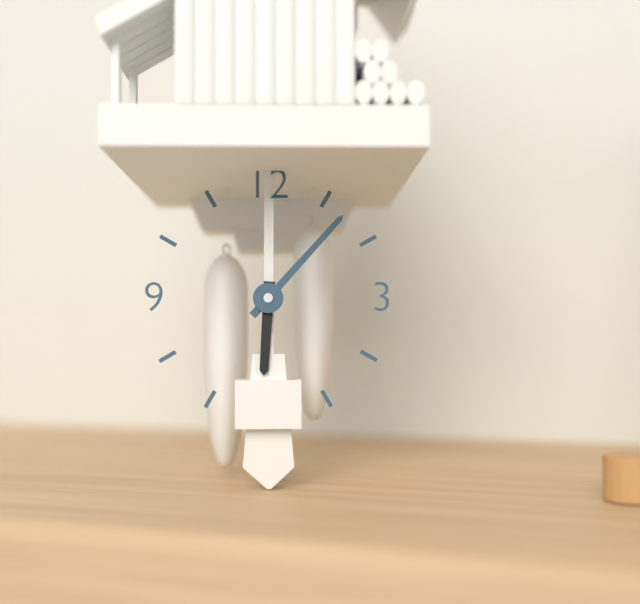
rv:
6h07
